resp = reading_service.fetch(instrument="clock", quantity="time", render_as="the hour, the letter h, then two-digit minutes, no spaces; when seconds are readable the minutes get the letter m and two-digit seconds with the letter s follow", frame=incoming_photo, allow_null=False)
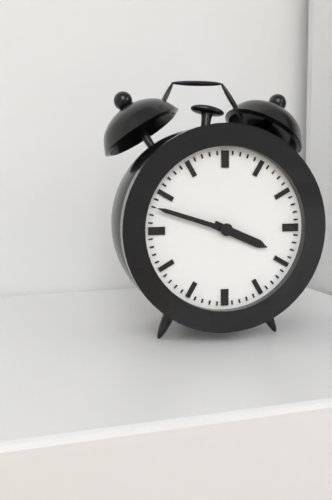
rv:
3h48
